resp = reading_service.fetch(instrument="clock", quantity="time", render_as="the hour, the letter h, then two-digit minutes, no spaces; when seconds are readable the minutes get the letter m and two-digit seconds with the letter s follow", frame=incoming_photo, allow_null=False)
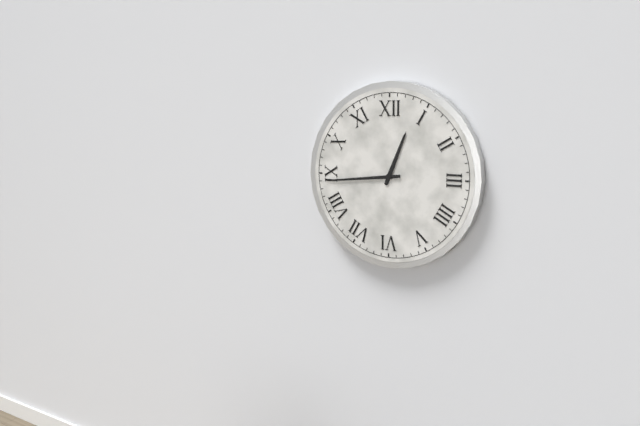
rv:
12h44
